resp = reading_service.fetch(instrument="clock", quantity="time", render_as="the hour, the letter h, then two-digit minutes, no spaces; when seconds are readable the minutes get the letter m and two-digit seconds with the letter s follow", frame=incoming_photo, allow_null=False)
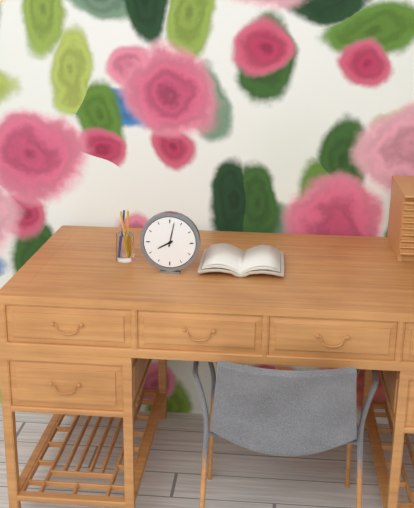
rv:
8h02
